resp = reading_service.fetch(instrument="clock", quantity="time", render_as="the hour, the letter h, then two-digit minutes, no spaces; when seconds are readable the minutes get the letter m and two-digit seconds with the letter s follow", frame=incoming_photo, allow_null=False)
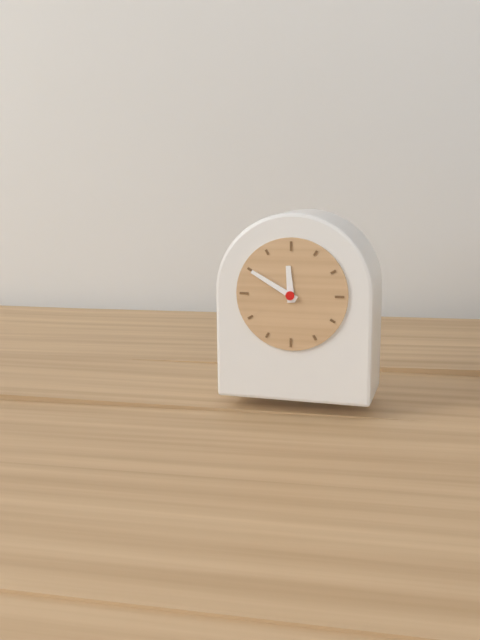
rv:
11h50
